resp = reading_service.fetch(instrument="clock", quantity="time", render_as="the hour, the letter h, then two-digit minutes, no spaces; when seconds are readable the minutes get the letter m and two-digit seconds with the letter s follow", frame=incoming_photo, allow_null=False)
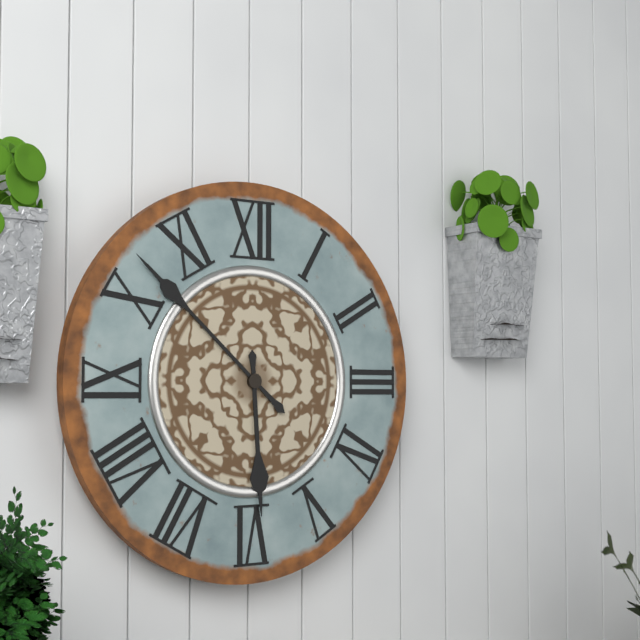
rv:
5h52
